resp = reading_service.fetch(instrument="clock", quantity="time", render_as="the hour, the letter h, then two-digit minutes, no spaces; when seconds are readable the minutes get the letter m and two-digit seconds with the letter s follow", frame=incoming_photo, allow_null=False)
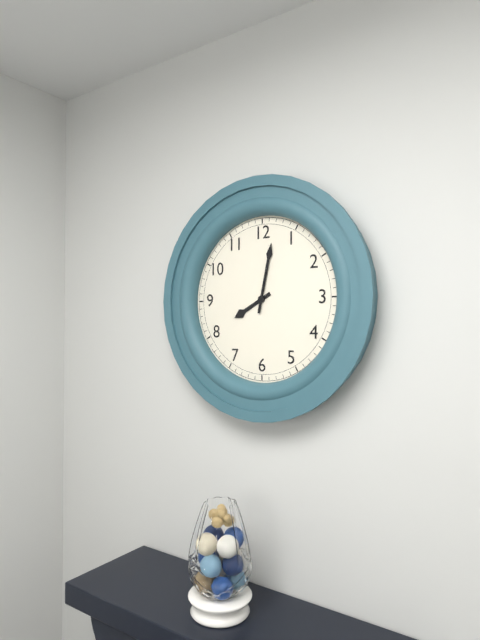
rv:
8h02
